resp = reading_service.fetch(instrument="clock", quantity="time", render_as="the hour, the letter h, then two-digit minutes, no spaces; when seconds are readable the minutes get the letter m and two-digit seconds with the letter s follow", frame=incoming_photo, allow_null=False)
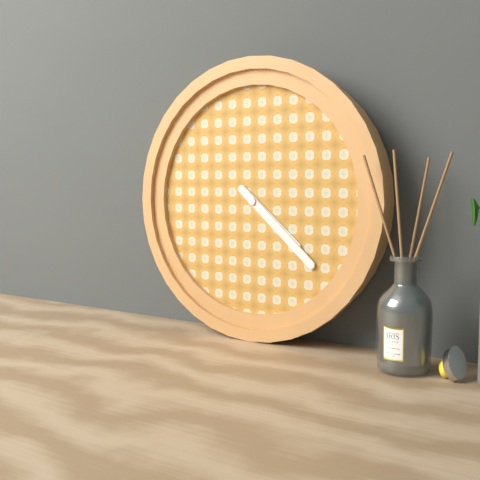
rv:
4h22
